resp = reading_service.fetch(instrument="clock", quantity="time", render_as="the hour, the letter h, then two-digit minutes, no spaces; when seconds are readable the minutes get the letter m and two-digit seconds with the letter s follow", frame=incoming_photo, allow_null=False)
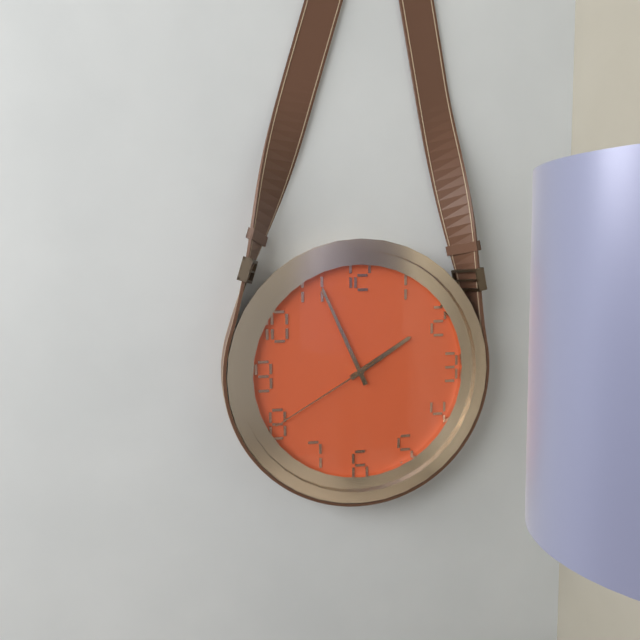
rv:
1h56m40s
